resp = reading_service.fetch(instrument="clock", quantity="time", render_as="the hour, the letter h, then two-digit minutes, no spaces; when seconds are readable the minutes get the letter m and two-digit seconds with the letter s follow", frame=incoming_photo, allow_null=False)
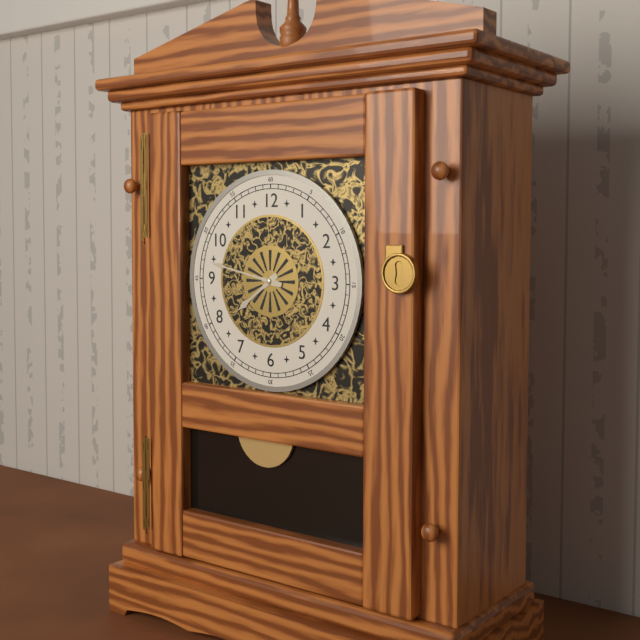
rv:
7h47
